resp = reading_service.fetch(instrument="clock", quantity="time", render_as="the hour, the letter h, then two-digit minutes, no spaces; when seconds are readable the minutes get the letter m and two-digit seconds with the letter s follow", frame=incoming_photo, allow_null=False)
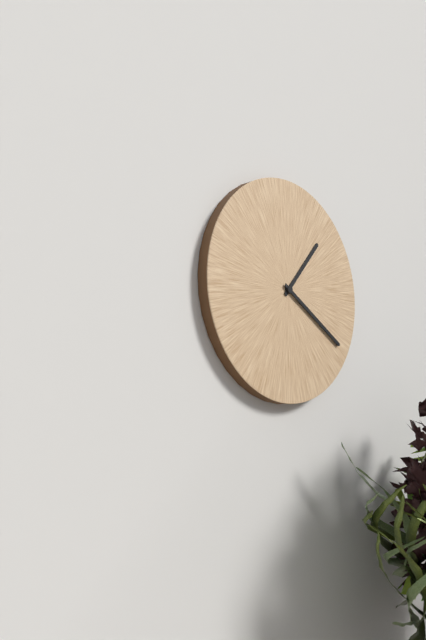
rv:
1h20
